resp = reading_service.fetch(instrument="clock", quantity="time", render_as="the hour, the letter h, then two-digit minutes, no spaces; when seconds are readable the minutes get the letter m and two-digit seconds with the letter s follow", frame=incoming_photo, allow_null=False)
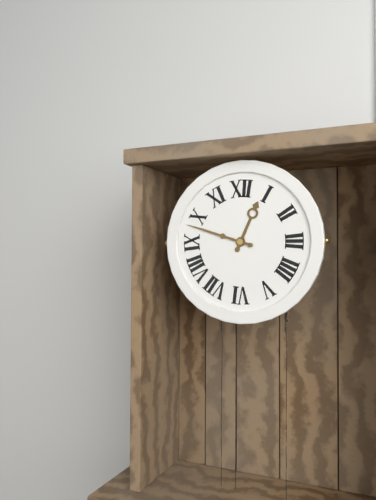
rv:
12h48
